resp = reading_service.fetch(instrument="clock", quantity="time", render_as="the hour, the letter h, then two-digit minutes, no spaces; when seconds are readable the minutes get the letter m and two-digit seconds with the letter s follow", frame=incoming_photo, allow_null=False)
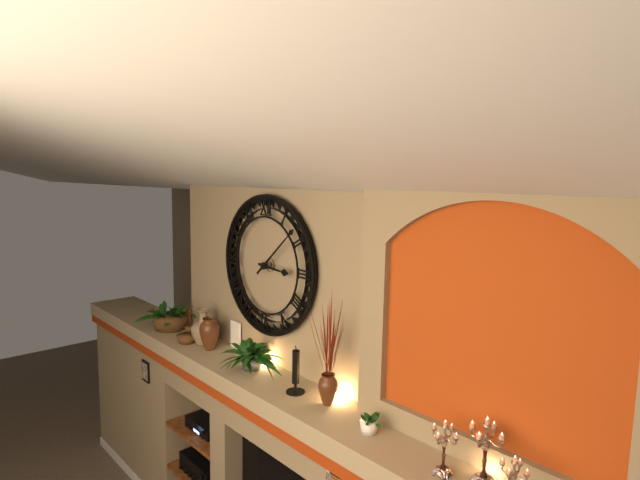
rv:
3h08
